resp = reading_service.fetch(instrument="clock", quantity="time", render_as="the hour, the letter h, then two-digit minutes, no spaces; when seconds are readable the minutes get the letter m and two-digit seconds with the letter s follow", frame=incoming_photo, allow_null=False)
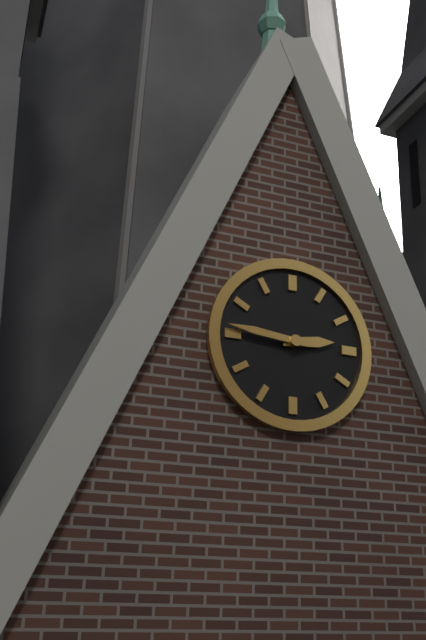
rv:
2h46
